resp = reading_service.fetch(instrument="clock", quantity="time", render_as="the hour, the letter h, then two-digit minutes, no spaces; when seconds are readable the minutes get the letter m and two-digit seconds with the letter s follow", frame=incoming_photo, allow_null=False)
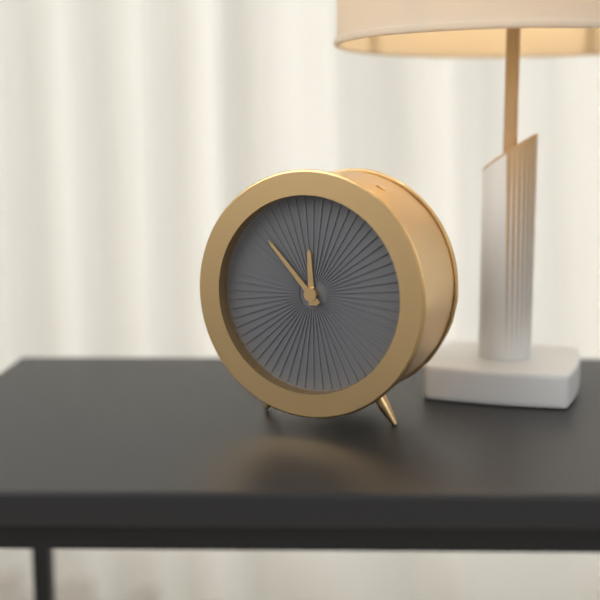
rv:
11h53
